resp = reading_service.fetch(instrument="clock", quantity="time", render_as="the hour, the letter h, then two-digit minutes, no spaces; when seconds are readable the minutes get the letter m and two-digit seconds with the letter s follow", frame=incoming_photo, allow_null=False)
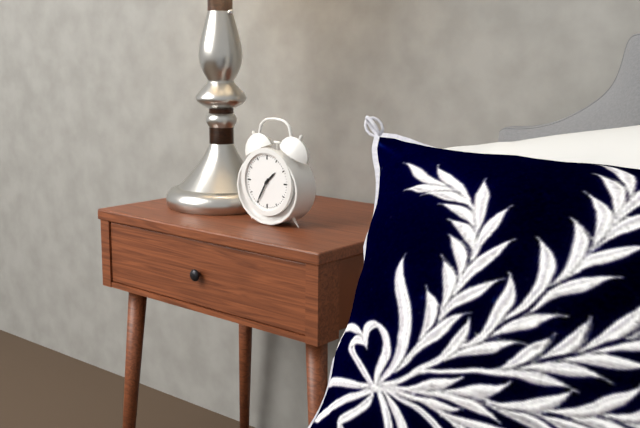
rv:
1h35
